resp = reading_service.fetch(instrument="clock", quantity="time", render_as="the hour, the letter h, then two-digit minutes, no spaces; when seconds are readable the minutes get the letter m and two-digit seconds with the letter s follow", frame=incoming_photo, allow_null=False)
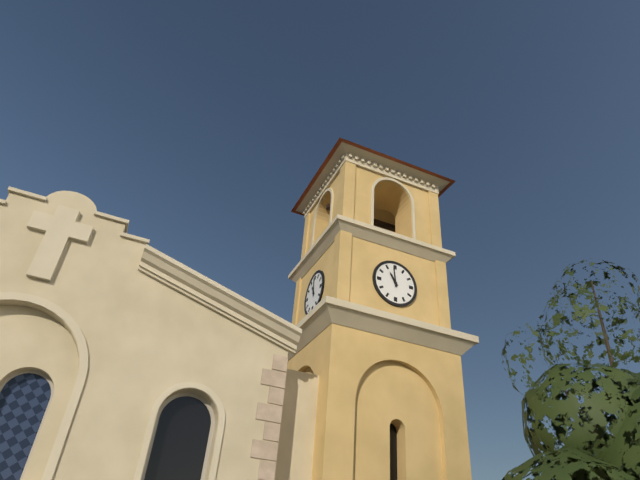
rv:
10h59
